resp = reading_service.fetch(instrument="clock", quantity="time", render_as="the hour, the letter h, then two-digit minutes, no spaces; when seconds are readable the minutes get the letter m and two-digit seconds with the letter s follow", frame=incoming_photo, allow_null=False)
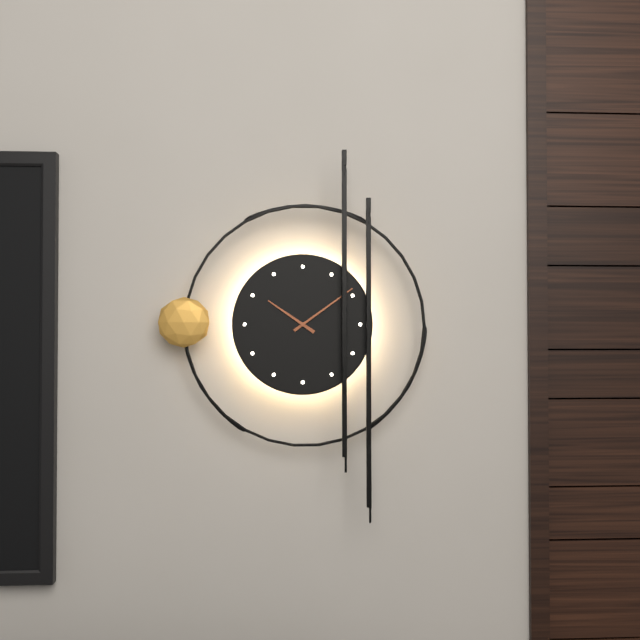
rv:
10h09
